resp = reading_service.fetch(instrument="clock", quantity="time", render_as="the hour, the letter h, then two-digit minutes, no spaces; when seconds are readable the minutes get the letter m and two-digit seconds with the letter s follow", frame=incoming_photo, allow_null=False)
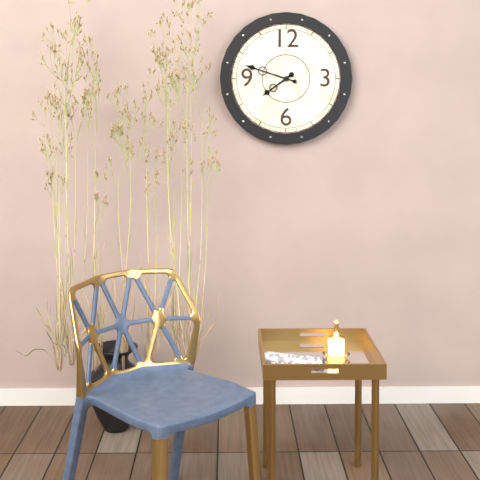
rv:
7h48
